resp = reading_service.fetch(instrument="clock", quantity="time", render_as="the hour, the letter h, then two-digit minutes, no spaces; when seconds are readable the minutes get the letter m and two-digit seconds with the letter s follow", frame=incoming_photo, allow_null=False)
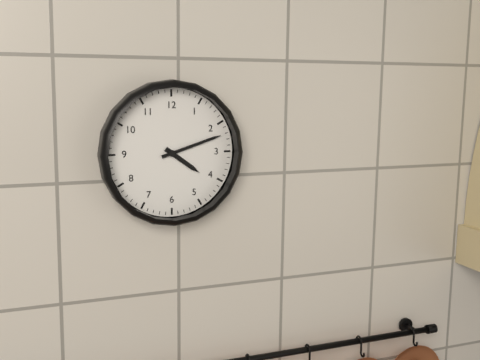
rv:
4h12
